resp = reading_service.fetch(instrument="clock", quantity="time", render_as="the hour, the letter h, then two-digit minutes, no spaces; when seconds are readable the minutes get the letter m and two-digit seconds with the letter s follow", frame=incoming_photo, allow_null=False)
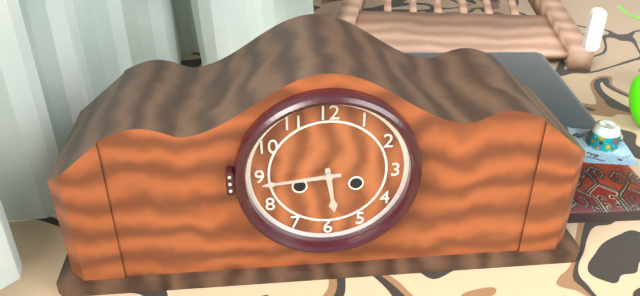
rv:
5h44
